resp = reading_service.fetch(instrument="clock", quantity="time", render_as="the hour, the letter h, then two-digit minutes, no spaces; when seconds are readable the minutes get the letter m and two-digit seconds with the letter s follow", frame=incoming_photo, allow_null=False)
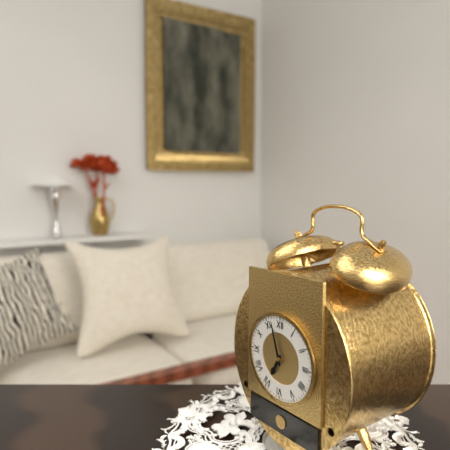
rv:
6h57
